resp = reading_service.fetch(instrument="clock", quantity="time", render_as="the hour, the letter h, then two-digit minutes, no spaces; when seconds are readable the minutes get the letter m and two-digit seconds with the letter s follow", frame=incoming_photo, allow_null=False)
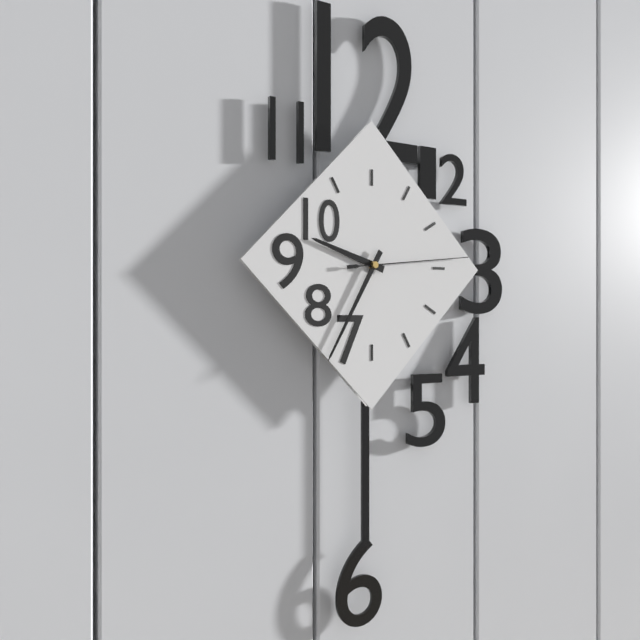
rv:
9h35m14s
